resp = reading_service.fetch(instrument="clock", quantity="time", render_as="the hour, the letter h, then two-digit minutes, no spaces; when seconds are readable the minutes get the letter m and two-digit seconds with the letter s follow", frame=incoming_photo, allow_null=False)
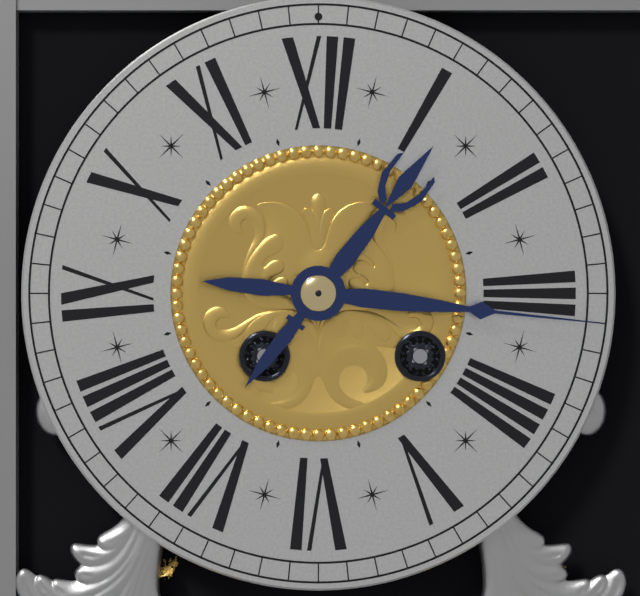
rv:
1h16
